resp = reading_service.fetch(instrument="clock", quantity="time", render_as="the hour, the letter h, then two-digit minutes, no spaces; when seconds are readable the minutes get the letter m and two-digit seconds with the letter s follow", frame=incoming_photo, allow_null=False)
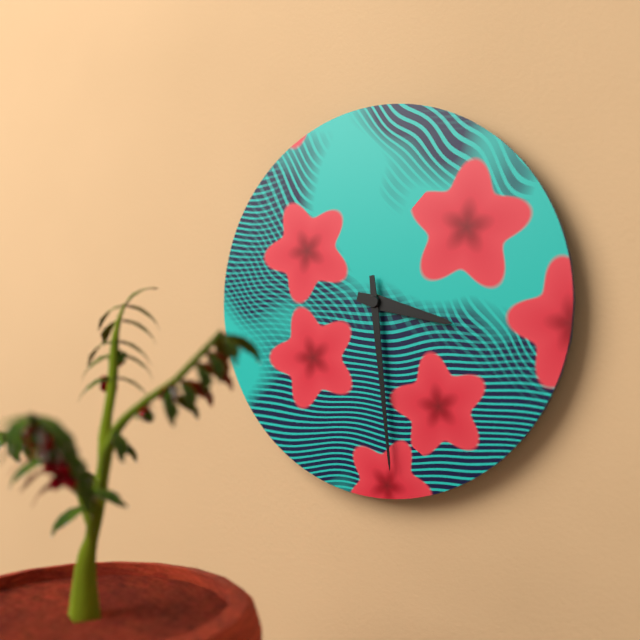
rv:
3h29
